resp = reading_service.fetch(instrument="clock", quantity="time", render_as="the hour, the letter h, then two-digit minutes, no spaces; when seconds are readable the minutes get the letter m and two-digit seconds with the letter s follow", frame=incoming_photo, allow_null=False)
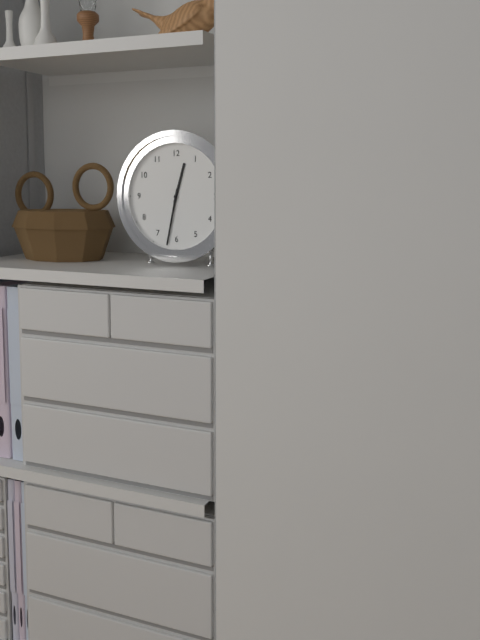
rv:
12h32
